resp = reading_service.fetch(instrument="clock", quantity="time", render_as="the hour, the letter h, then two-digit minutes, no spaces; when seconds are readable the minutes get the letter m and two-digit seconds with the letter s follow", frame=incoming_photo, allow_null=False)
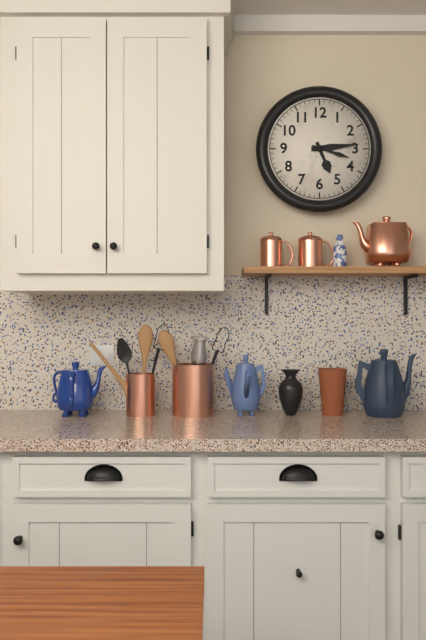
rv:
5h14
